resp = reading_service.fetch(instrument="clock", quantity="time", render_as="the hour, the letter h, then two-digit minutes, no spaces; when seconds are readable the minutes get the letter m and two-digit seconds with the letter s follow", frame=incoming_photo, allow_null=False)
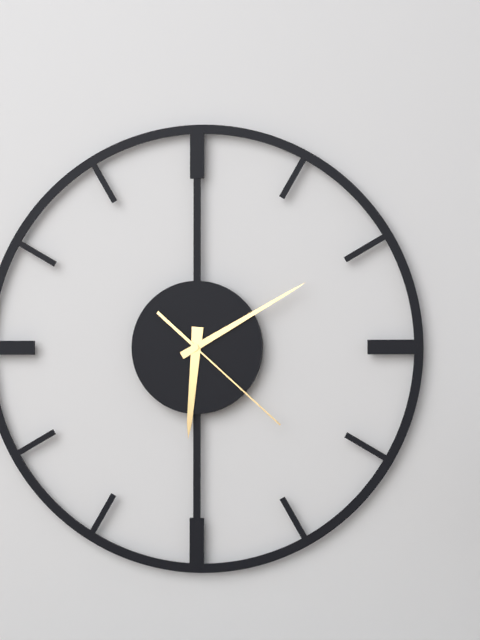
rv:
6h10m22s
